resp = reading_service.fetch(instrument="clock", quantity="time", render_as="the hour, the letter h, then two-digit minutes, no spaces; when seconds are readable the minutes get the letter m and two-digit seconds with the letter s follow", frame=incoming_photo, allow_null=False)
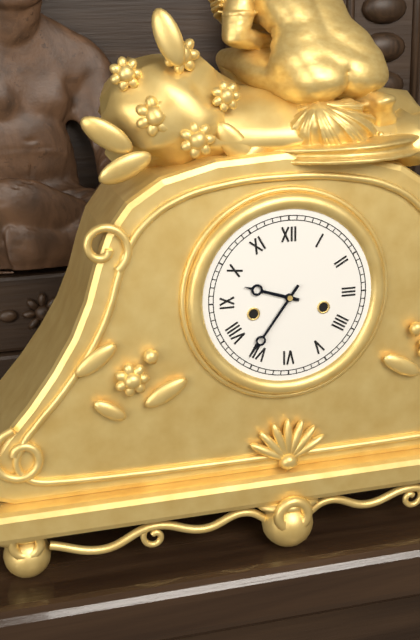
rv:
9h36
